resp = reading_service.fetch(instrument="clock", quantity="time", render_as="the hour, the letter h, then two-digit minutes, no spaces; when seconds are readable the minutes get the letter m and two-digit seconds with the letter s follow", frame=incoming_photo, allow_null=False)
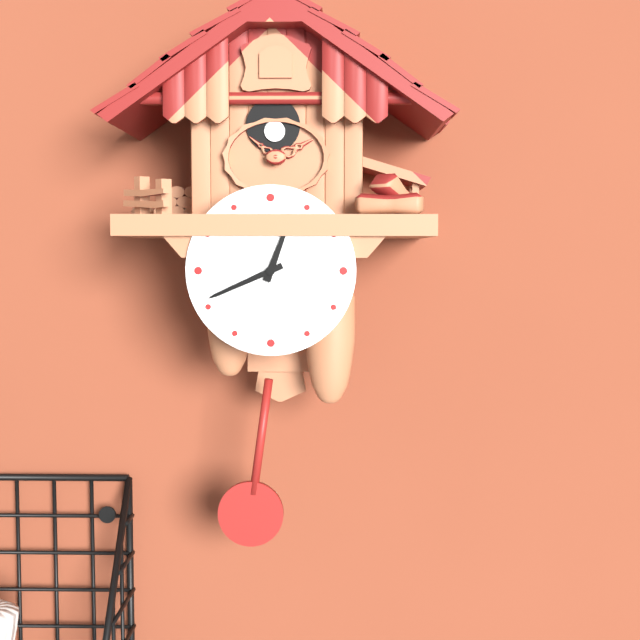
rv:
12h41
